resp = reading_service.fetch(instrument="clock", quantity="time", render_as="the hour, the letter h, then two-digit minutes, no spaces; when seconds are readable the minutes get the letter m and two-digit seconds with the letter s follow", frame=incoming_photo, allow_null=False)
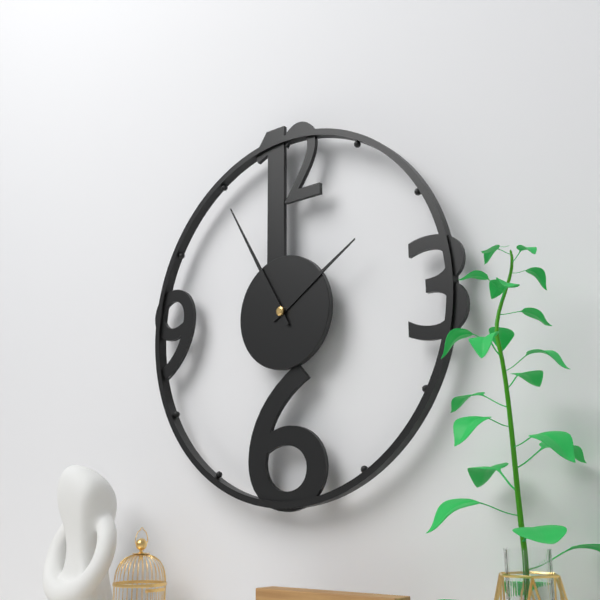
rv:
1h55
